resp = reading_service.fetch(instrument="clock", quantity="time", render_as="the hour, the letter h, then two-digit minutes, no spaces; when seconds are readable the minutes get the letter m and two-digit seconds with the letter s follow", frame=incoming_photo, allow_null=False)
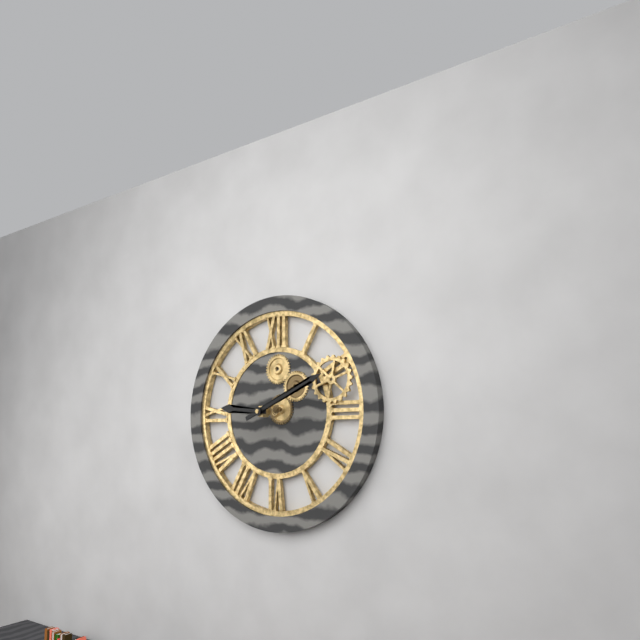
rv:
9h11
